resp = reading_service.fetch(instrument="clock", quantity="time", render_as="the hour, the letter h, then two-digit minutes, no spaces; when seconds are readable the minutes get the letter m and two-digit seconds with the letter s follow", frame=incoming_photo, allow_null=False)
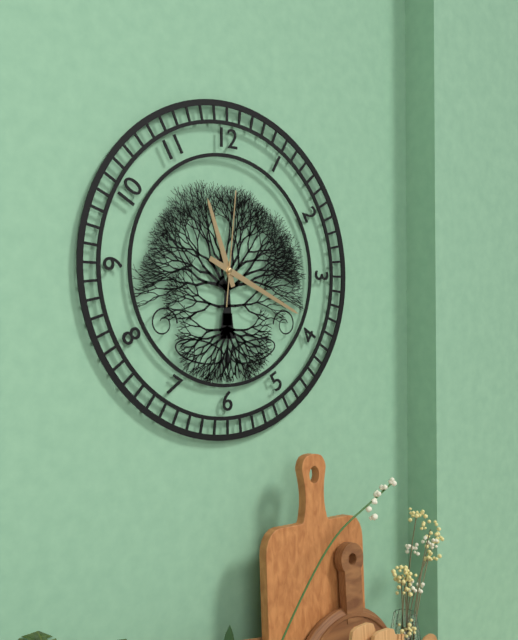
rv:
11h19m01s
